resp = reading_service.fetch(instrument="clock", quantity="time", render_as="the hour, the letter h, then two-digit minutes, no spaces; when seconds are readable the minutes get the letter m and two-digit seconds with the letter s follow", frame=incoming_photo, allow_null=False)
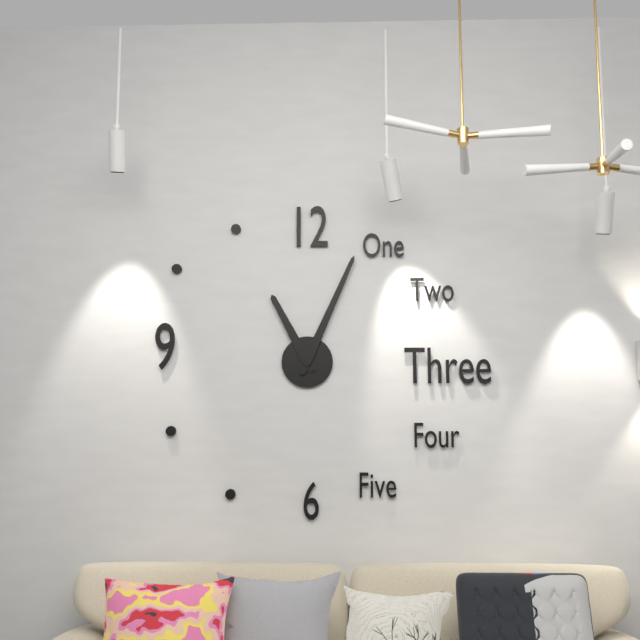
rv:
11h04
